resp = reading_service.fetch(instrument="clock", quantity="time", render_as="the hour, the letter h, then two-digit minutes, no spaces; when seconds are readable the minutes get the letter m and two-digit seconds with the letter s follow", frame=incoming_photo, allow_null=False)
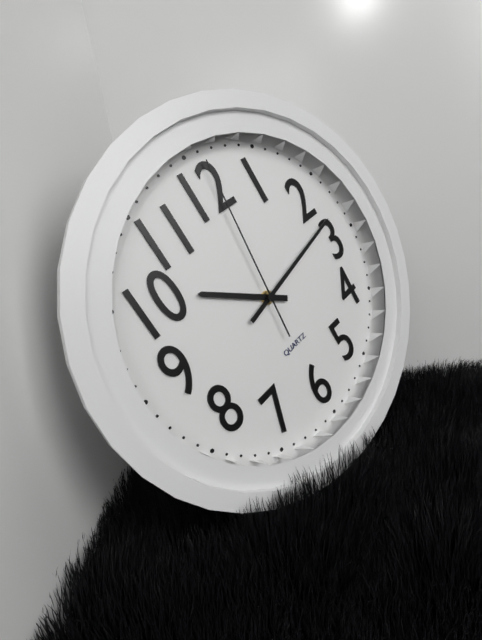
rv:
10h13m01s
